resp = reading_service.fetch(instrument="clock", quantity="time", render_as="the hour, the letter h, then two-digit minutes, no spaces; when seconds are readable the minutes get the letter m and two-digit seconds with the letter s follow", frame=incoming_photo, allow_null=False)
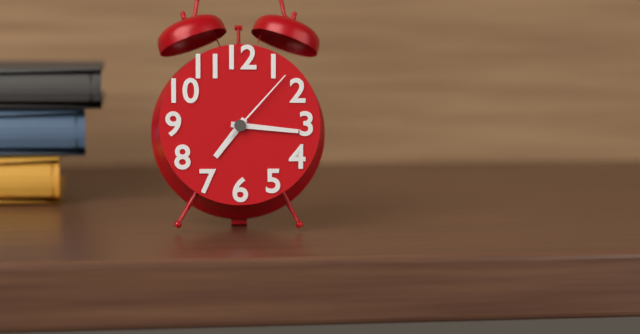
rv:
7h16m07s
